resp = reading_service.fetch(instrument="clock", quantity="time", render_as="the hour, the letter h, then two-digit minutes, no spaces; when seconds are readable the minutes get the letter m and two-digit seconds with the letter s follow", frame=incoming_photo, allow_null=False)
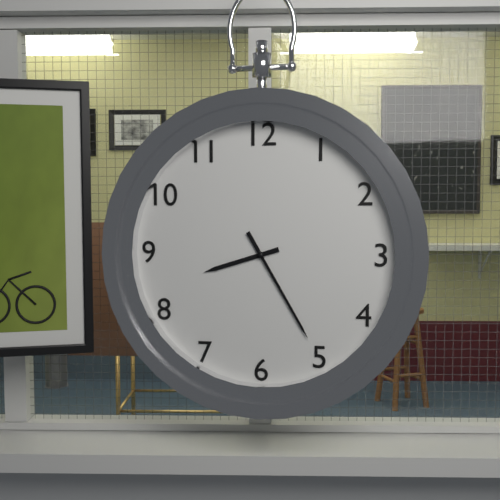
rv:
8h25
